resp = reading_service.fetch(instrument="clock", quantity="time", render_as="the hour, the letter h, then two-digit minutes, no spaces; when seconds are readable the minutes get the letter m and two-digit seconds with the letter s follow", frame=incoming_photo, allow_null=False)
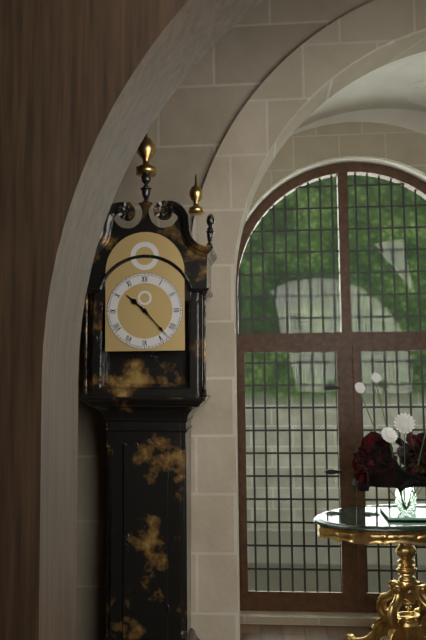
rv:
10h23
